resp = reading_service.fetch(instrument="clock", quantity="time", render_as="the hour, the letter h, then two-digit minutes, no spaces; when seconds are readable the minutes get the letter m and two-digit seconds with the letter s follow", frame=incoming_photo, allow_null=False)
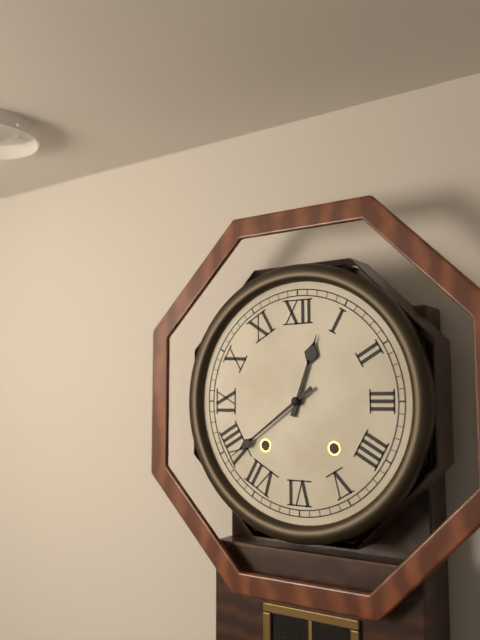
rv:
12h39
